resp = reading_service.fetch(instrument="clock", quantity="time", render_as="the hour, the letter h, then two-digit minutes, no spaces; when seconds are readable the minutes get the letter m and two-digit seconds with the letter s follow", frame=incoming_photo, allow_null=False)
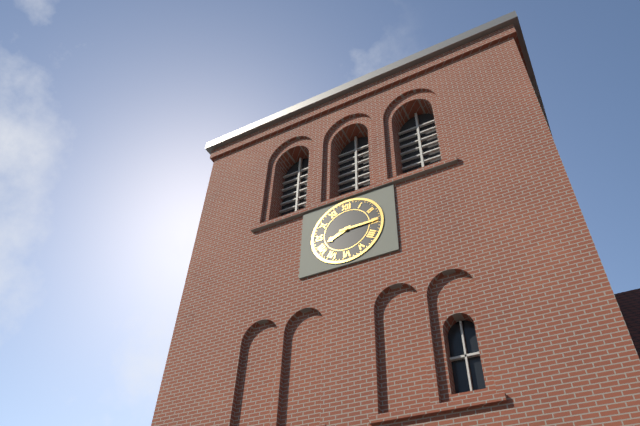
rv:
8h15
